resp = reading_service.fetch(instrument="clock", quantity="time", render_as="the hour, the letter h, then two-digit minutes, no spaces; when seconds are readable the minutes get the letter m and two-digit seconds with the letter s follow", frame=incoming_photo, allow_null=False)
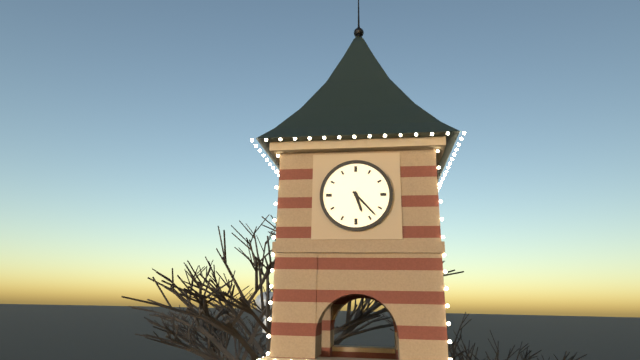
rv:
5h23
